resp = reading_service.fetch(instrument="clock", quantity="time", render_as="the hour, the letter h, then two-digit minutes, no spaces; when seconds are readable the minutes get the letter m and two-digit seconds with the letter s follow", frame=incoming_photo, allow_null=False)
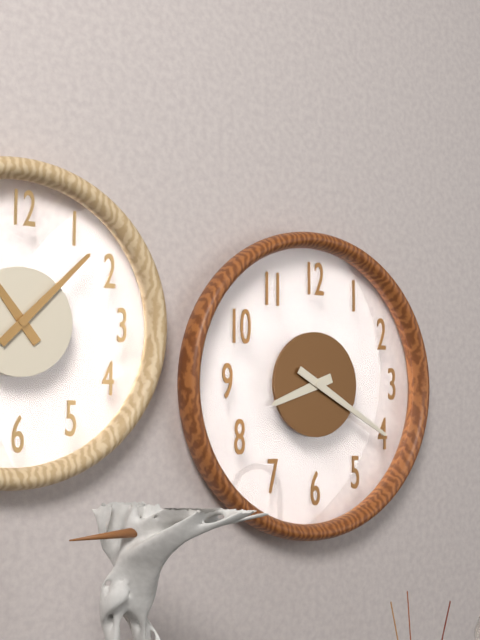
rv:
8h20
